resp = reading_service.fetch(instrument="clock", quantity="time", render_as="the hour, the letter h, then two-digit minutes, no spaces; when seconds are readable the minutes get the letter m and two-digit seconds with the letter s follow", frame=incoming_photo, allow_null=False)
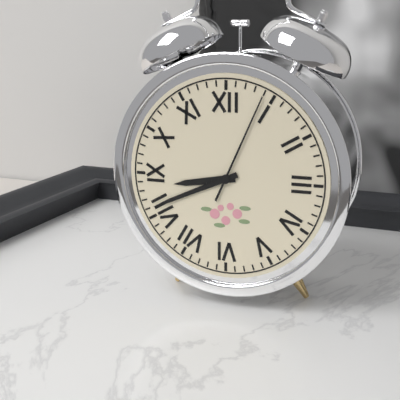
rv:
8h41m04s
